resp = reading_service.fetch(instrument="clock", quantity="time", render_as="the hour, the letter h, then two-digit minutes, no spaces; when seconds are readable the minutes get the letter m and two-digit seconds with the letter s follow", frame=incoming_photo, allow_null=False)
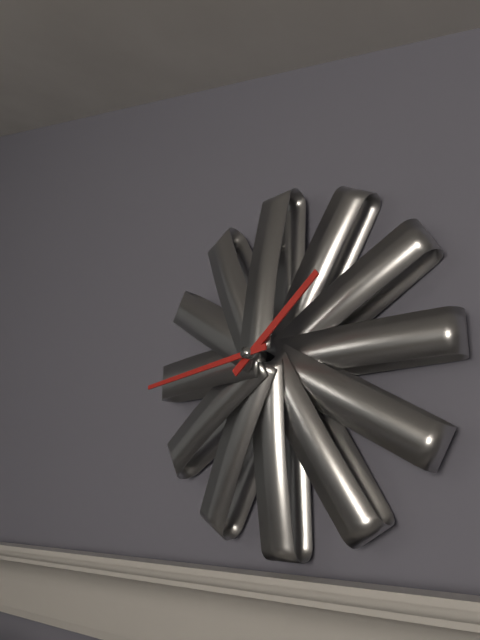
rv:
1h44
